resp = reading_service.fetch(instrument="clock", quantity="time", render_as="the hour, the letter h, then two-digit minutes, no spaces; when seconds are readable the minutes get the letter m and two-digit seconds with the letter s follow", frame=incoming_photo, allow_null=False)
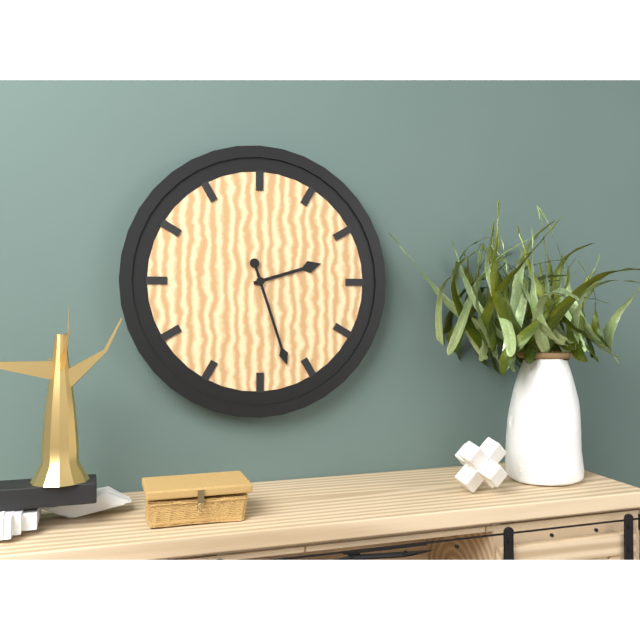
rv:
2h27
